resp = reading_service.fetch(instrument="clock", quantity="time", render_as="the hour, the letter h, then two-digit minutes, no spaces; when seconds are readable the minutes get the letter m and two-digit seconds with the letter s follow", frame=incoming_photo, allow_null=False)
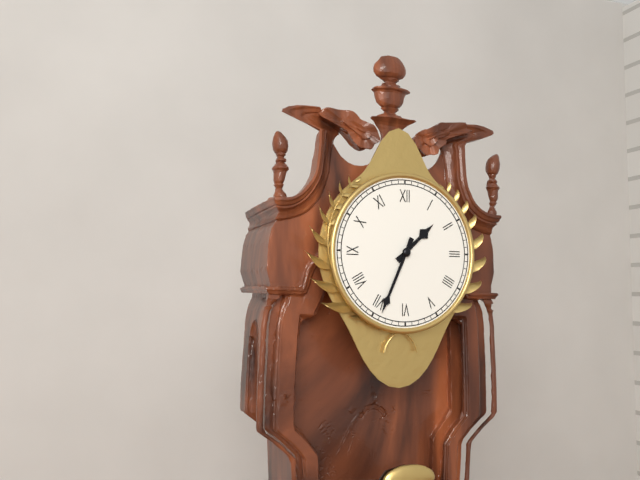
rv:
1h34
